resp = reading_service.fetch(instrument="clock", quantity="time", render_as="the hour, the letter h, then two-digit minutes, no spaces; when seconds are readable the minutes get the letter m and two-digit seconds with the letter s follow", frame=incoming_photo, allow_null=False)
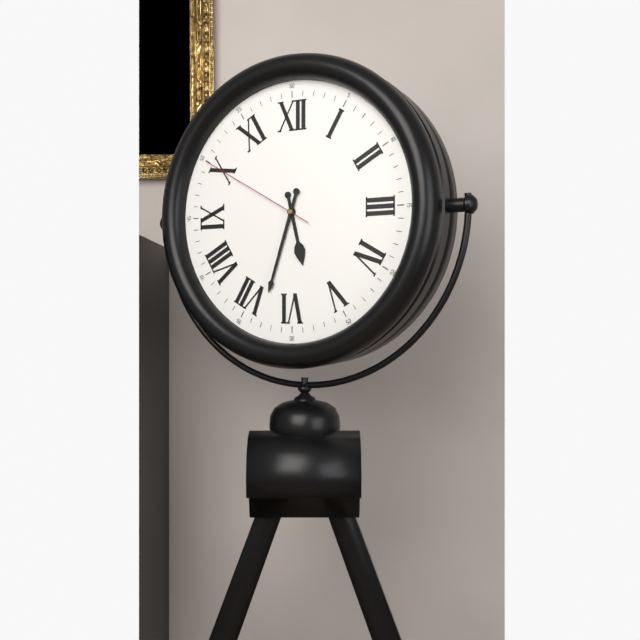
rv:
5h33m50s
